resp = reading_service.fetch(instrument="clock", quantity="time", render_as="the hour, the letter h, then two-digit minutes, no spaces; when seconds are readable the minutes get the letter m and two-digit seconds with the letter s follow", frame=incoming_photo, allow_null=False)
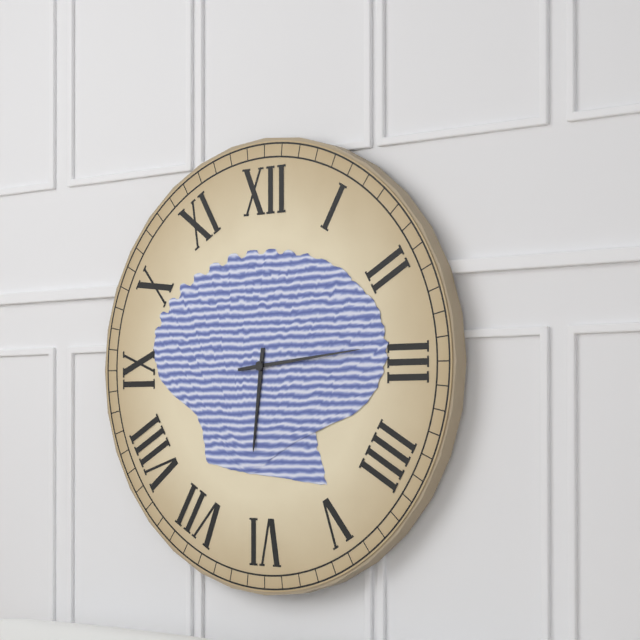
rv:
6h14
